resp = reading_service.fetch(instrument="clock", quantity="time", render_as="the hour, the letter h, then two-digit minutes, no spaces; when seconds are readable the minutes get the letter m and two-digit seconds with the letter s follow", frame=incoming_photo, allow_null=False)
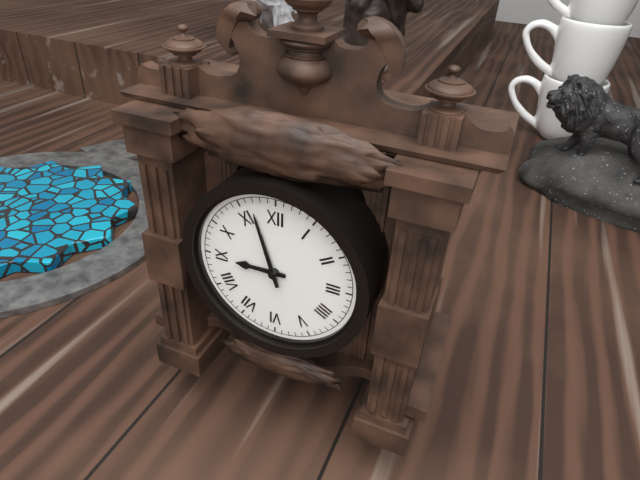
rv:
8h57
